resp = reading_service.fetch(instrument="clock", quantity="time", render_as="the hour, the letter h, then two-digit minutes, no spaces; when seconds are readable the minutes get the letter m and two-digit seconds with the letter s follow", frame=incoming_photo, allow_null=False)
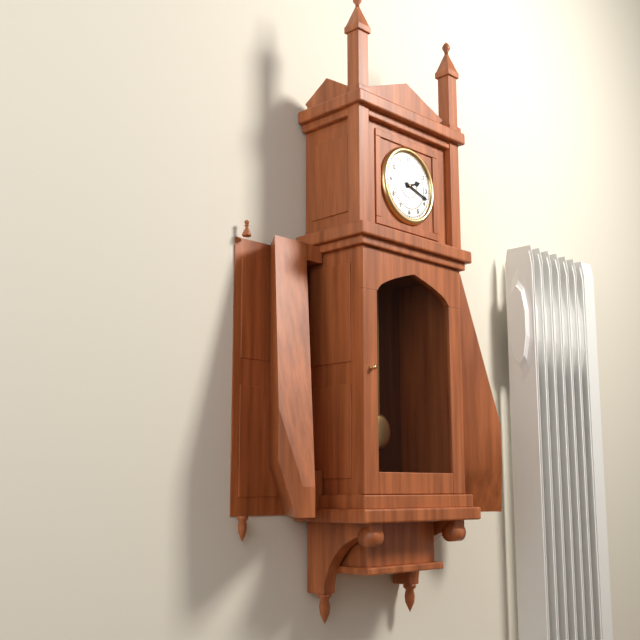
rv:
2h18
